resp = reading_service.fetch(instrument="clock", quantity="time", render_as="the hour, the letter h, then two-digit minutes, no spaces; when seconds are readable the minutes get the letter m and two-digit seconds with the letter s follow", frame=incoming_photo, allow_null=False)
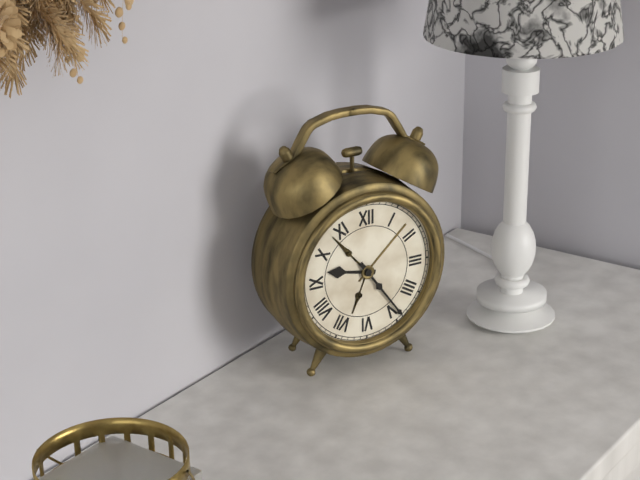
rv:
9h24
